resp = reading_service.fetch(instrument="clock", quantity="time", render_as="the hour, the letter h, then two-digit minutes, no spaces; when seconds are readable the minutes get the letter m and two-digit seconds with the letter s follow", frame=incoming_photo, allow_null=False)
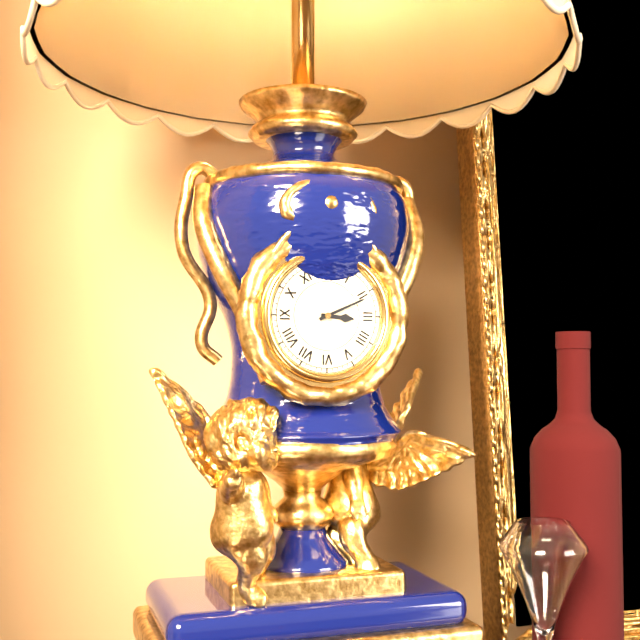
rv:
3h11
